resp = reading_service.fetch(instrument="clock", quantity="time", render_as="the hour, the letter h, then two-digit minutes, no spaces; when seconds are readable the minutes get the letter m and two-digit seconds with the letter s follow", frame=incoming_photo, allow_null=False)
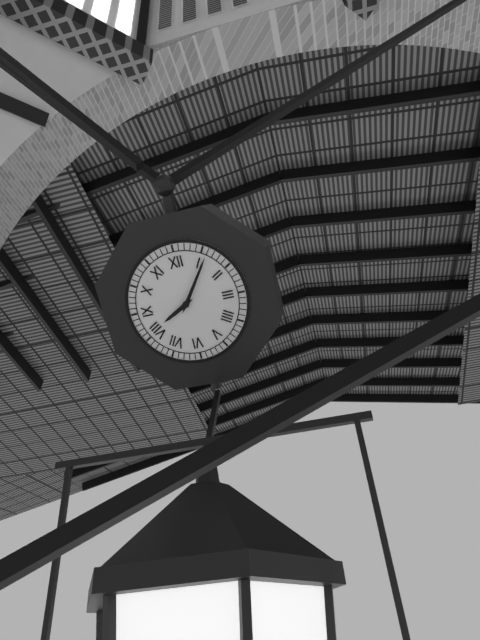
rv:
8h06
